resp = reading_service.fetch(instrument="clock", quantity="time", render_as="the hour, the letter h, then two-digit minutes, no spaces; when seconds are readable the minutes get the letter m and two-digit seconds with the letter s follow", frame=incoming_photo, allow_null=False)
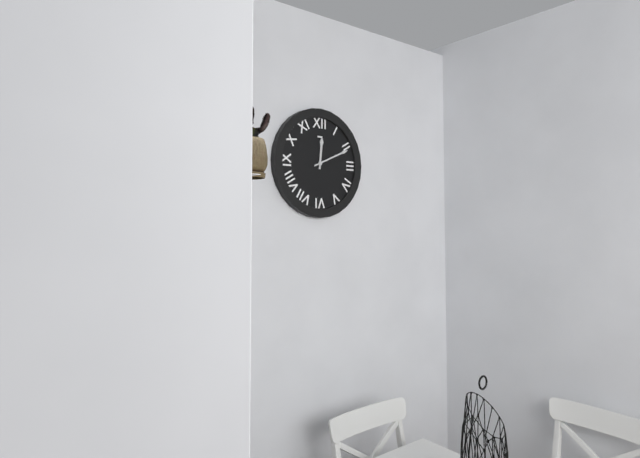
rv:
12h11
